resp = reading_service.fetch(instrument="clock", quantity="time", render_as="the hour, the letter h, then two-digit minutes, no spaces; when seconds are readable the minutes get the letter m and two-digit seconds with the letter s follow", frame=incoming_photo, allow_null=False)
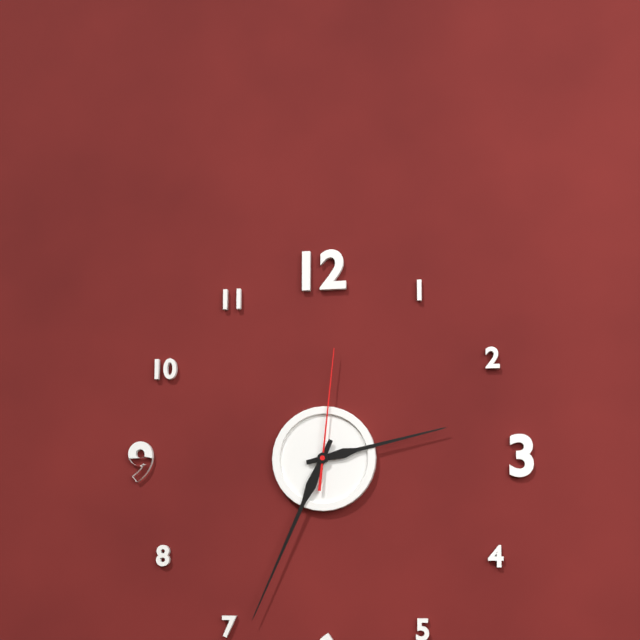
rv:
2h34m01s
